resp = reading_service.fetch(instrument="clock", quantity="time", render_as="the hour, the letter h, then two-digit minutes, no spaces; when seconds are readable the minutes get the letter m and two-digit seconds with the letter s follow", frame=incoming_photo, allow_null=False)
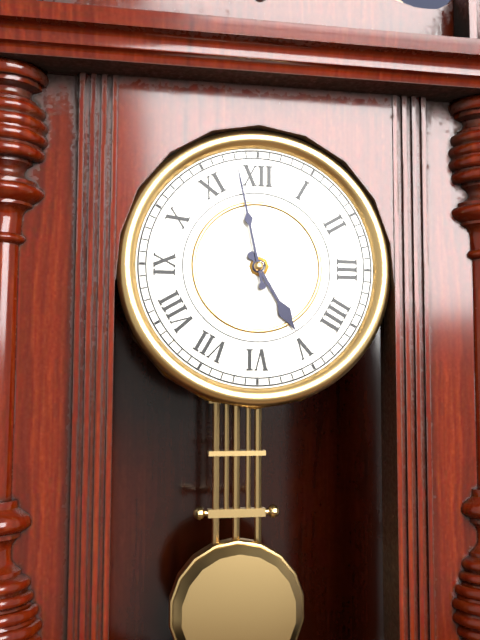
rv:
4h58
